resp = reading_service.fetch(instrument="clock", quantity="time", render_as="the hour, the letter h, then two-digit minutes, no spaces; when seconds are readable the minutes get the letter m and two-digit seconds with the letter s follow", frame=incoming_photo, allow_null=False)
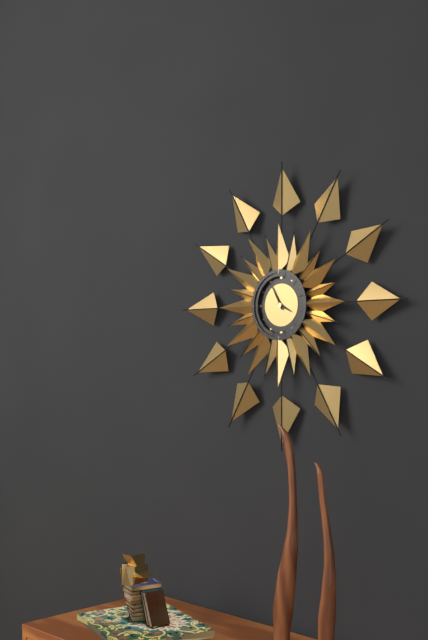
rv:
3h55
